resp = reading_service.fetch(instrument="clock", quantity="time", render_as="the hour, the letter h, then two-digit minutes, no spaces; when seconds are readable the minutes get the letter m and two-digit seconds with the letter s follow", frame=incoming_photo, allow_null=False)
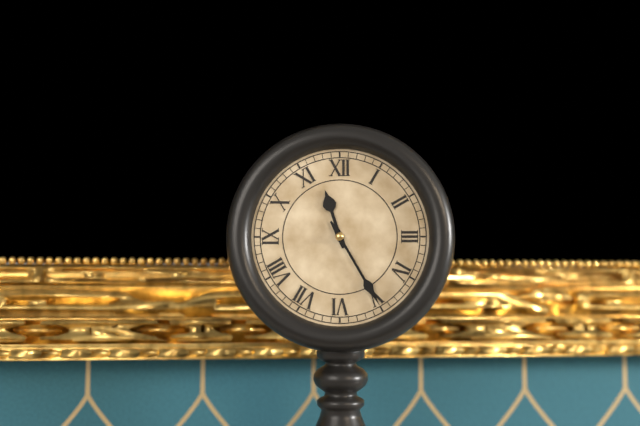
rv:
11h25
